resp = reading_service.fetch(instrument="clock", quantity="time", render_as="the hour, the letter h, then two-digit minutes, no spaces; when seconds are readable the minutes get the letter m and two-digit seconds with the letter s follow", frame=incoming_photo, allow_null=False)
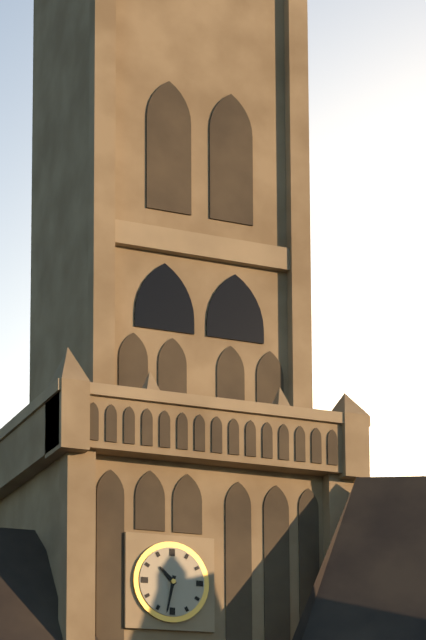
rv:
10h32
